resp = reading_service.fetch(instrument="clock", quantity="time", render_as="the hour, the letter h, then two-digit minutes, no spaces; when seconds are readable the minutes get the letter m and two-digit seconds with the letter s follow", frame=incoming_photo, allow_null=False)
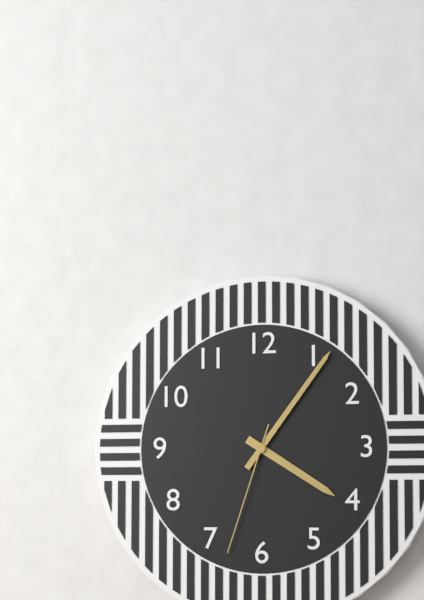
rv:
4h06m33s
